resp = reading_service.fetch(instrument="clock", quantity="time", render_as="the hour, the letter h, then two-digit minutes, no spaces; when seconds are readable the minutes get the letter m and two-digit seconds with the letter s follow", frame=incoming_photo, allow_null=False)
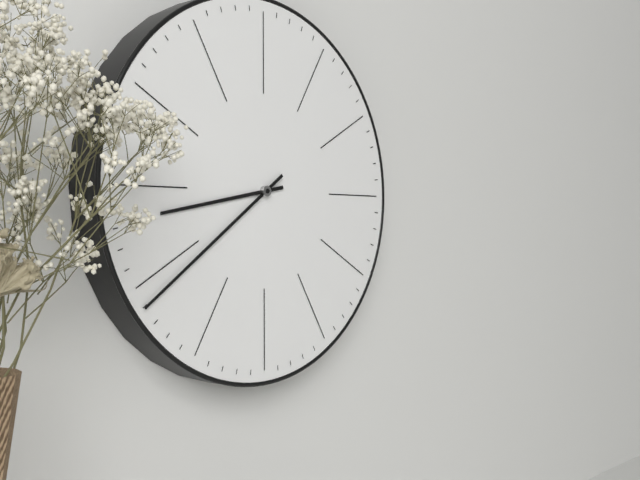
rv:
8h39
